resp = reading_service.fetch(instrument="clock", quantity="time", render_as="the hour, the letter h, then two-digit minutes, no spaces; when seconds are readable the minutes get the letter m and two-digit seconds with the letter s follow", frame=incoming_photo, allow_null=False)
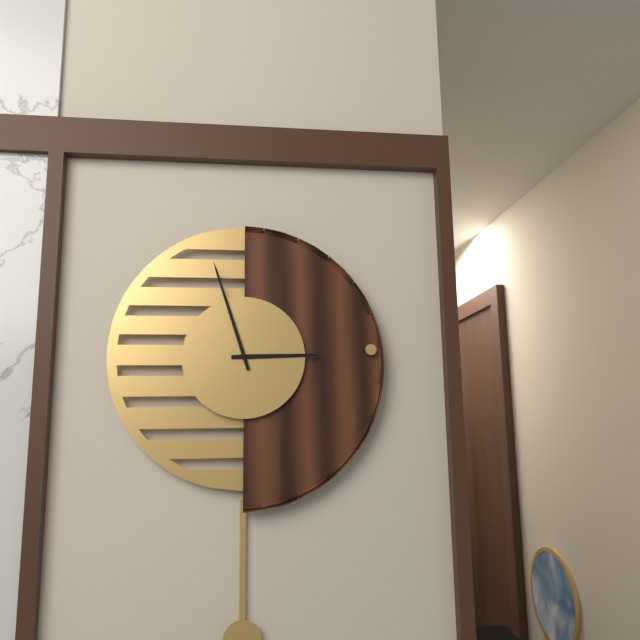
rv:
2h57
